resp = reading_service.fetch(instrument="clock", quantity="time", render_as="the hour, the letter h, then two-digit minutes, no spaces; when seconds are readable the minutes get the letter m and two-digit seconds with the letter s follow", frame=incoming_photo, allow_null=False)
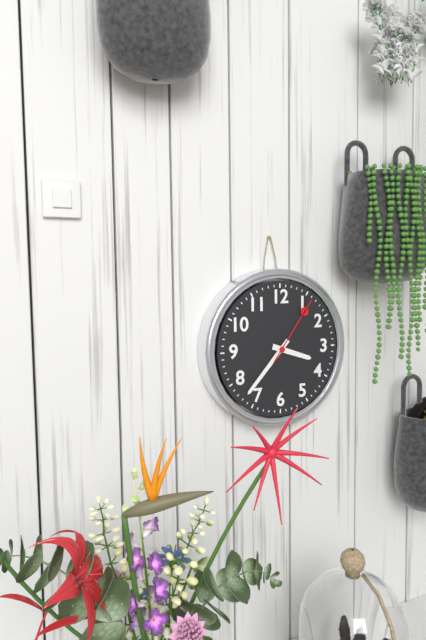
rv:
3h37m06s
